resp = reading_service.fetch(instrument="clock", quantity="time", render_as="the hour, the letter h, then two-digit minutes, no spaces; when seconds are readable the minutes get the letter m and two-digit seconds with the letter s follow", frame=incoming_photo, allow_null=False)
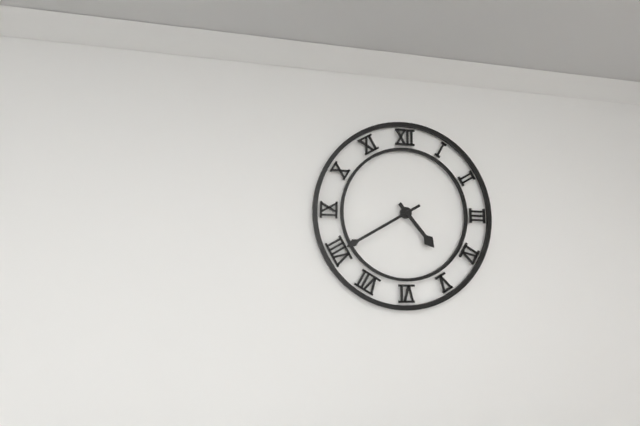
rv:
4h40
